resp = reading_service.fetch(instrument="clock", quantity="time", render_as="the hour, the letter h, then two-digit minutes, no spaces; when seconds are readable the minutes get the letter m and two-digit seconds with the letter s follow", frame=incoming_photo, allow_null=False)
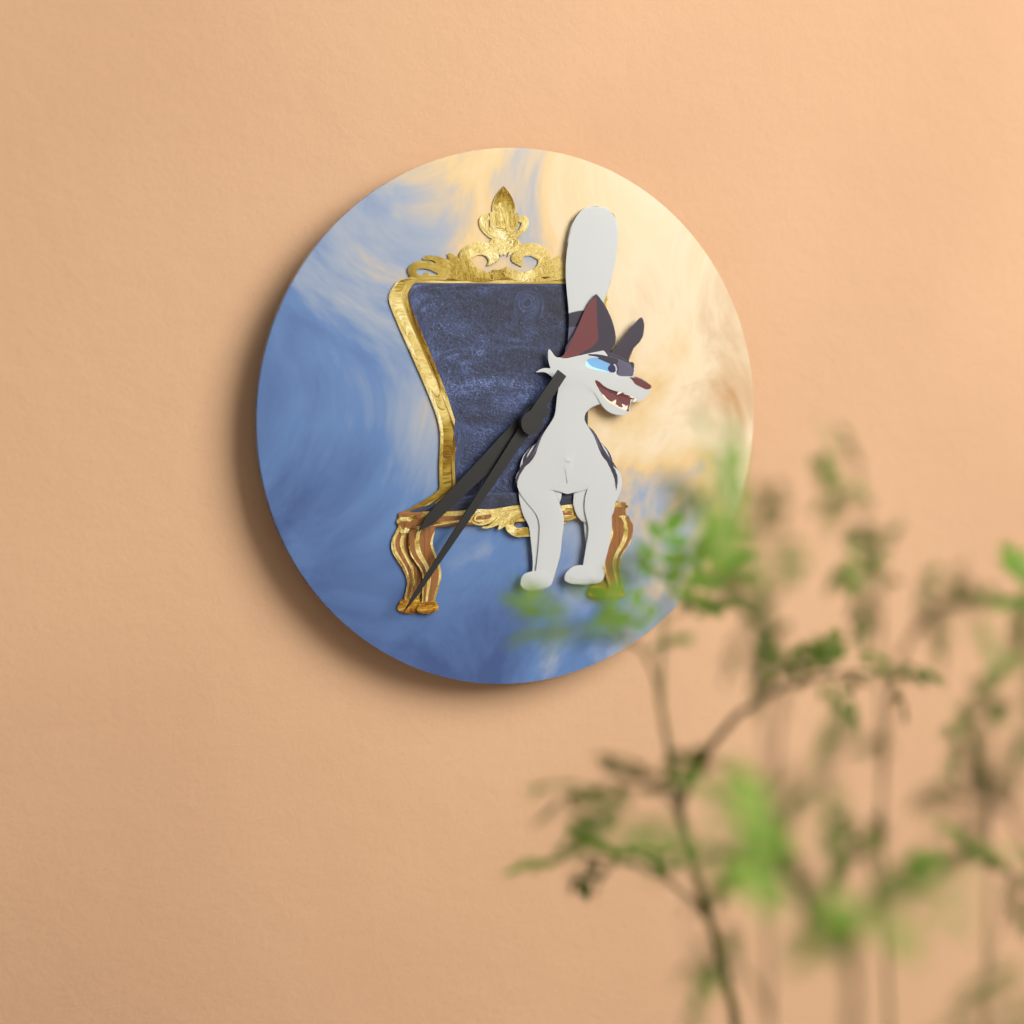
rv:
7h36
